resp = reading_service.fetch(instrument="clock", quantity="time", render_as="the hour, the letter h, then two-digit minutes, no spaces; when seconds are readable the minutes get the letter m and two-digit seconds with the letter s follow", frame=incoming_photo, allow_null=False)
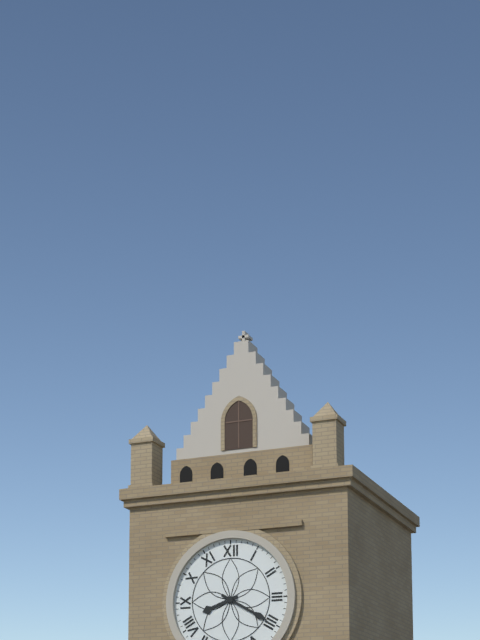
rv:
8h20
